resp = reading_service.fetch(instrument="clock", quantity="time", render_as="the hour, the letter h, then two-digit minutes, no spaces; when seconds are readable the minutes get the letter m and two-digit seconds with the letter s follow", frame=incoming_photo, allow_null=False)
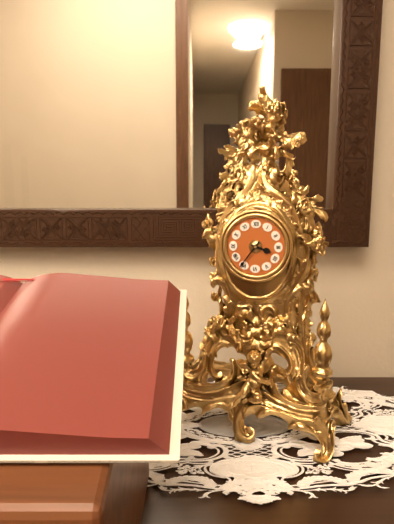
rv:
3h36
